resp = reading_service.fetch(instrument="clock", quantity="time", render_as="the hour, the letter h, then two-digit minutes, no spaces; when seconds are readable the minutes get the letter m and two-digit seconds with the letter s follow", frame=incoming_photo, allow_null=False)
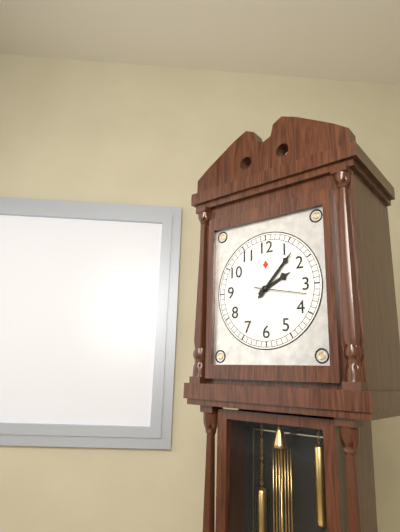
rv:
2h07m17s
